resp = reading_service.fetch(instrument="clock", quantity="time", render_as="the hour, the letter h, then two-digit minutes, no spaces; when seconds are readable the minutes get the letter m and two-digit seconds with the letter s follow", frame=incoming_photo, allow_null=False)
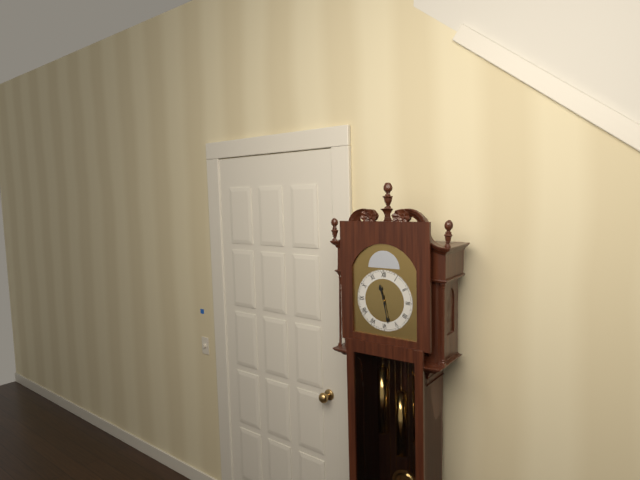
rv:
11h28
